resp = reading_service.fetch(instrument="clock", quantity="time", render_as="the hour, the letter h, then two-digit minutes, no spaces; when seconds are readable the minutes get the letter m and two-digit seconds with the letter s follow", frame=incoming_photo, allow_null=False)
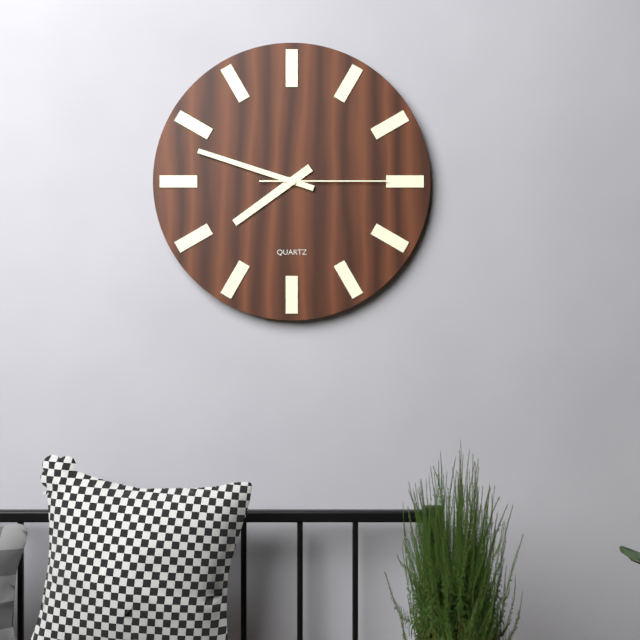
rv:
7h48m15s
